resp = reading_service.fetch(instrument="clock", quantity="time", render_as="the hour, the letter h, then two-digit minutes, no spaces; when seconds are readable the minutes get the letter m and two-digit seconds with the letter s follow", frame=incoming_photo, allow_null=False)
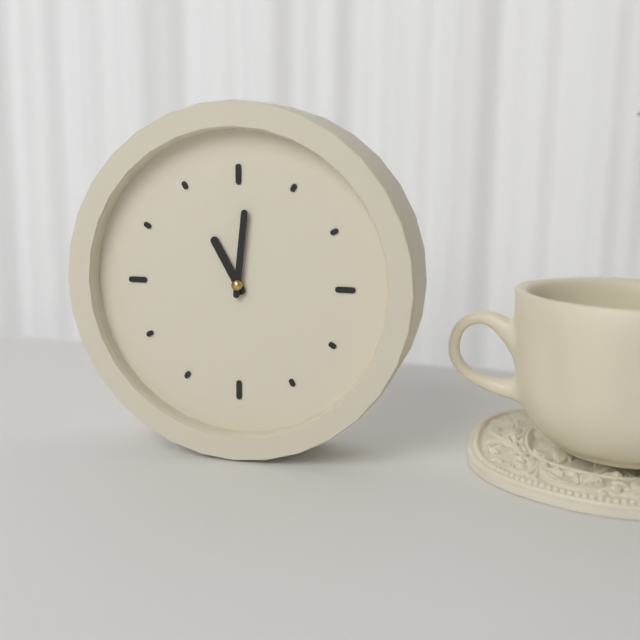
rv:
11h01
